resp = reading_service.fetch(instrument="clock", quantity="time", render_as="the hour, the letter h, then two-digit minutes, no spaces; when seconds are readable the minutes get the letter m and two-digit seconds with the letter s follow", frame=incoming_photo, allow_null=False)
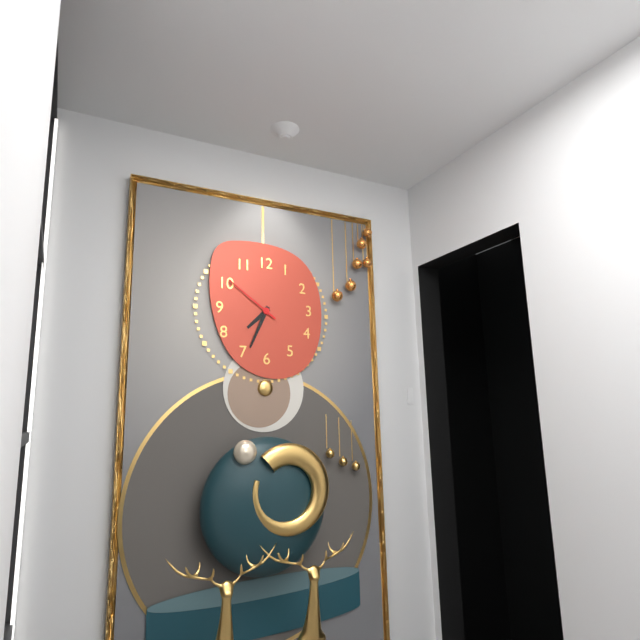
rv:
7h34m51s
